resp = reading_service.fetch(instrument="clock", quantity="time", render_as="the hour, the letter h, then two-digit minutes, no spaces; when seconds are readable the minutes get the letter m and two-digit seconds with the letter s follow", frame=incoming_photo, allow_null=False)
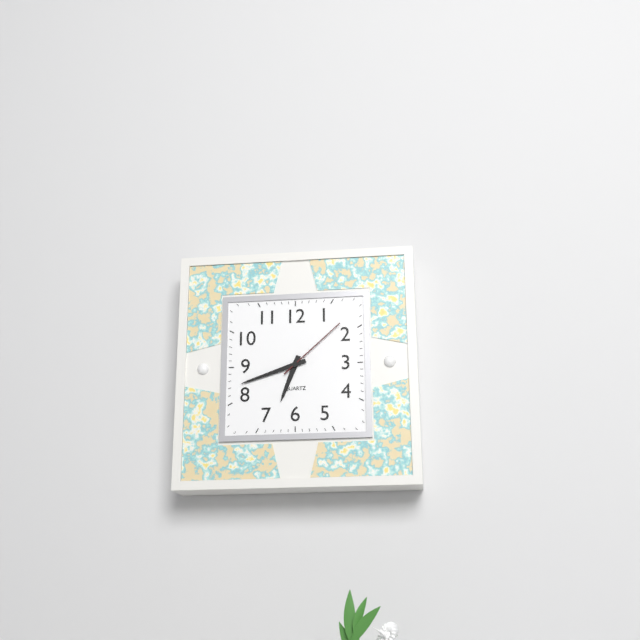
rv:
6h42m08s
